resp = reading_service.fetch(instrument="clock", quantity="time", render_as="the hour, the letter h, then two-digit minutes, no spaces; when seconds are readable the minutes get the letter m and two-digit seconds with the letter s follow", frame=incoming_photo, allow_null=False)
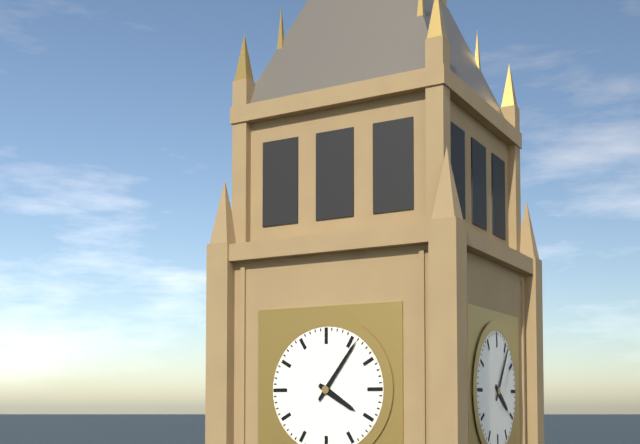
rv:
4h06
